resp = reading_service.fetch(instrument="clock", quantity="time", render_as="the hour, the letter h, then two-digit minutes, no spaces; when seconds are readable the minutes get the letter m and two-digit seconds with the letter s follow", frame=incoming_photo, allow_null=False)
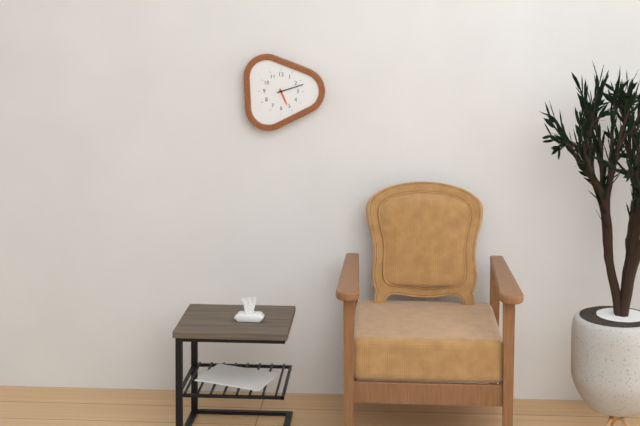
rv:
5h12
